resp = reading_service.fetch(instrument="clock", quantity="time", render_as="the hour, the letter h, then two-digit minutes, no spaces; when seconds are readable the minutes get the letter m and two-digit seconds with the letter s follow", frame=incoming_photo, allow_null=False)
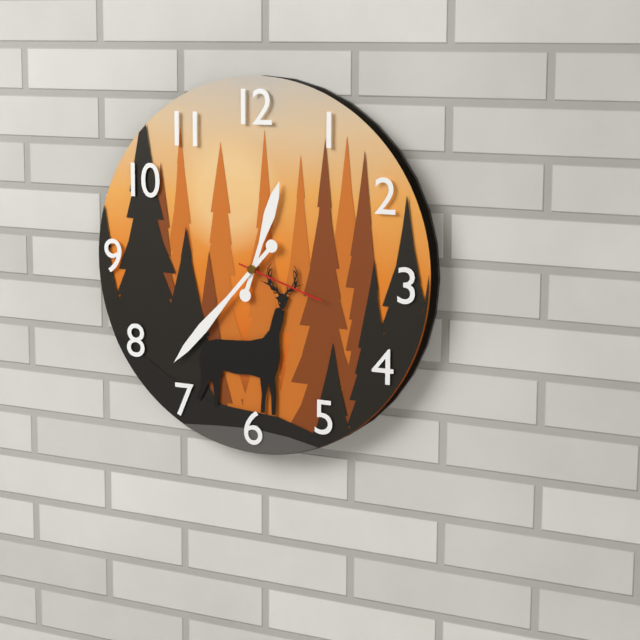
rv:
12h37m18s
